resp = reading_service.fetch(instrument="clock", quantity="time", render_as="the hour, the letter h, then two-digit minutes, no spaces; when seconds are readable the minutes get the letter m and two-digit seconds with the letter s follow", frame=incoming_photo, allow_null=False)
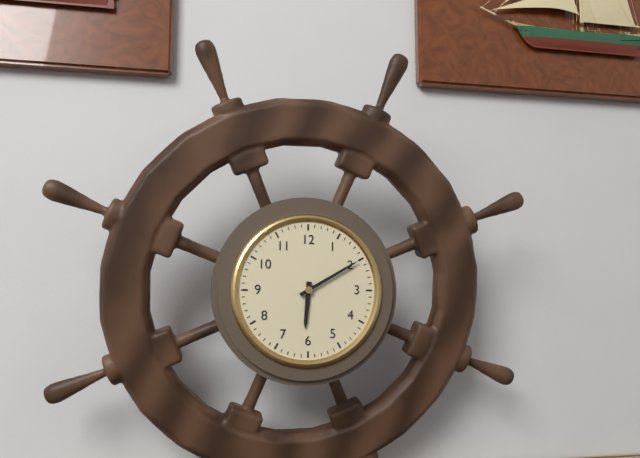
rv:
6h10
